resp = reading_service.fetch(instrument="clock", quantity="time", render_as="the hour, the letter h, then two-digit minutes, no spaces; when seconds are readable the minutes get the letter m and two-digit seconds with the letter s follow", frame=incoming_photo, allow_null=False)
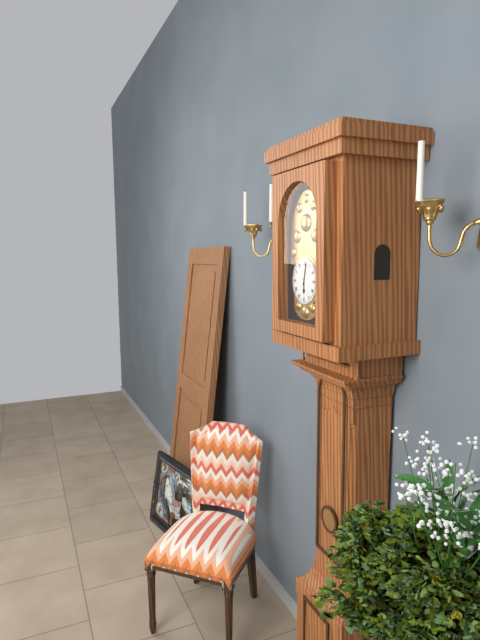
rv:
6h02
